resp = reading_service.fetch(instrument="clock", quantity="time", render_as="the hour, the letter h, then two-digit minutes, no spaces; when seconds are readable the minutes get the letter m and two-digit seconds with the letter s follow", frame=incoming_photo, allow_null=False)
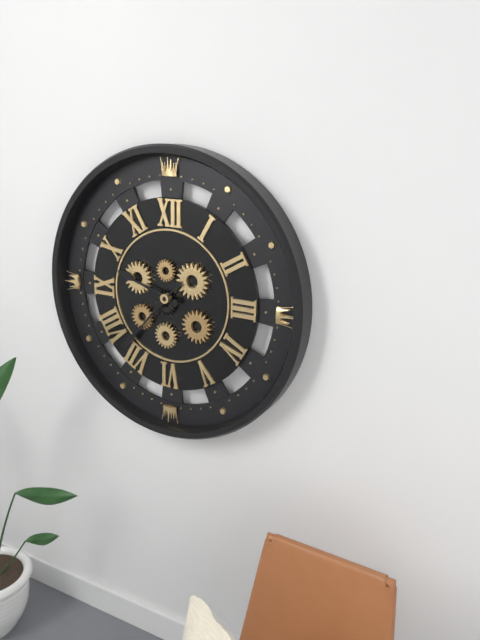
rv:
9h37
